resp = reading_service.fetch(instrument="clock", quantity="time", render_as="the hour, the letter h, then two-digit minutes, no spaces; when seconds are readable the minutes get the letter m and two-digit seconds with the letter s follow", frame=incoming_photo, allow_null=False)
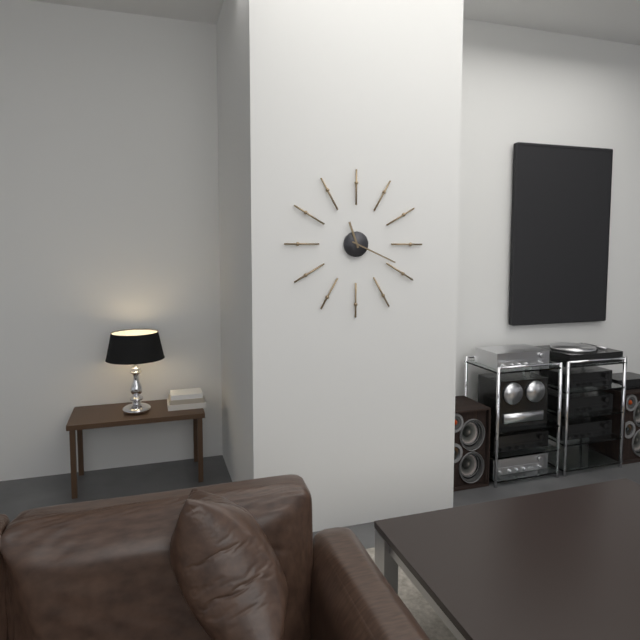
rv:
11h19
